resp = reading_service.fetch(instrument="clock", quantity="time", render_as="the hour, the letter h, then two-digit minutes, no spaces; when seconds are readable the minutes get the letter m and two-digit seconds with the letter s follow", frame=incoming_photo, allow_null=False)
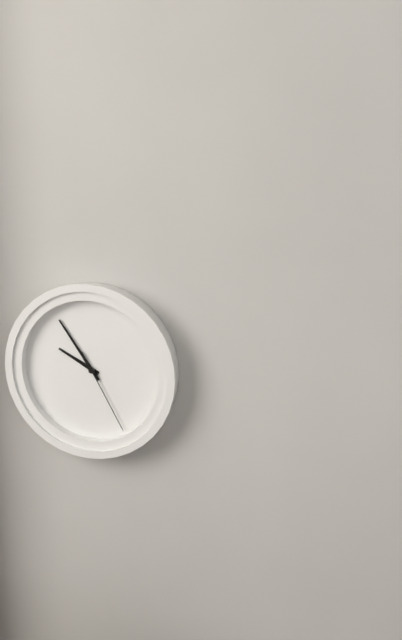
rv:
9h54m25s
